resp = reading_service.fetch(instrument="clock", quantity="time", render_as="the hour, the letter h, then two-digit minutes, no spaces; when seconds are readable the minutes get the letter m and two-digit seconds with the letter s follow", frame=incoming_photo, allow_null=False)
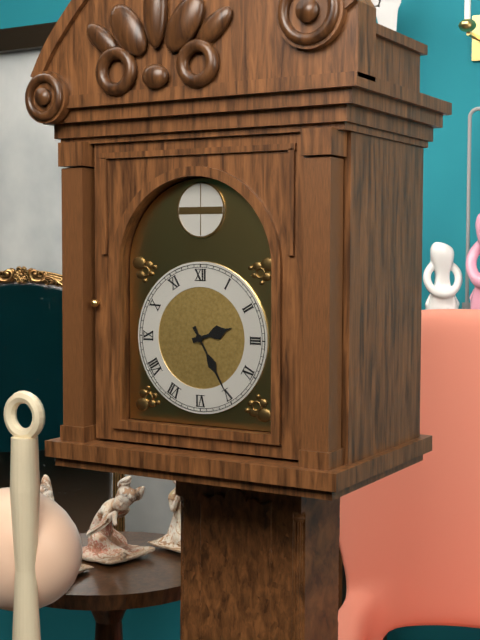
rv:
2h25
